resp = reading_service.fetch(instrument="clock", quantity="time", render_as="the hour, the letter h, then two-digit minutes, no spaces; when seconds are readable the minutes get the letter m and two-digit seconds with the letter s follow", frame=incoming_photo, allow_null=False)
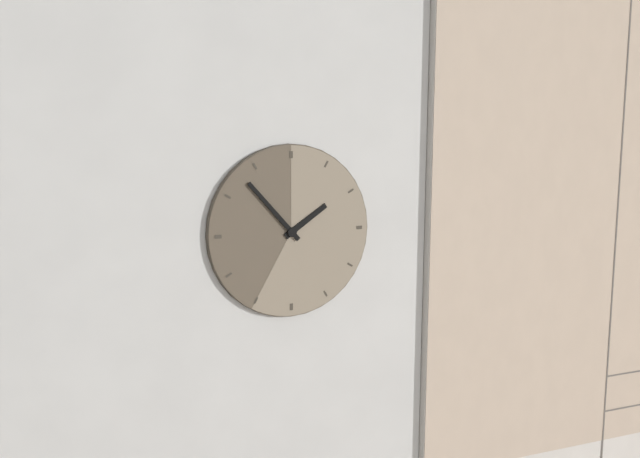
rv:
1h53
